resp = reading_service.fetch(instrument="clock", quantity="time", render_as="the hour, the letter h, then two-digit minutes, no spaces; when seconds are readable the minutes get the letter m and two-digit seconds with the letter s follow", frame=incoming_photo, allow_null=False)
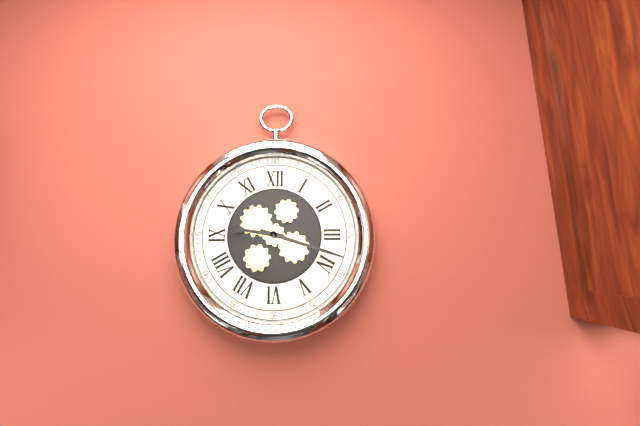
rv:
9h18
